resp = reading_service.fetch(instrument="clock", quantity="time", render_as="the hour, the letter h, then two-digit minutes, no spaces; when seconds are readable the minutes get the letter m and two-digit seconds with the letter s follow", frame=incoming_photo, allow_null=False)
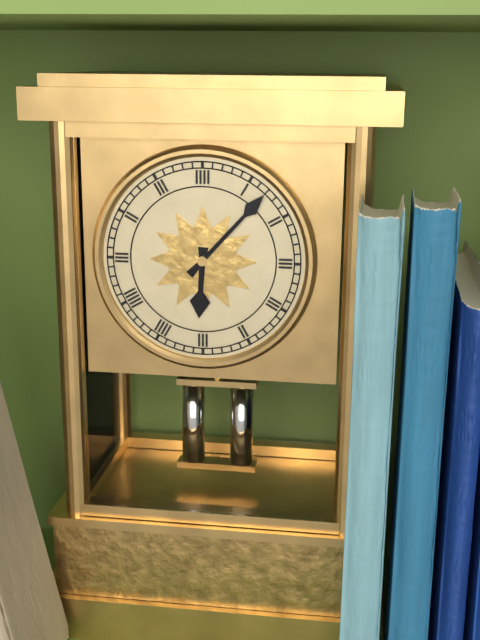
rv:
6h07
